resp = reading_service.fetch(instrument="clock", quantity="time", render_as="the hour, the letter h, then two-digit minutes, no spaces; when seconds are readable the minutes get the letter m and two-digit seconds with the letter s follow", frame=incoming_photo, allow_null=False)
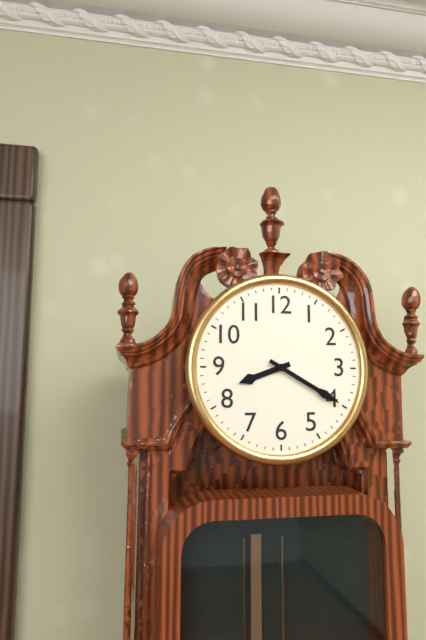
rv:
8h20
